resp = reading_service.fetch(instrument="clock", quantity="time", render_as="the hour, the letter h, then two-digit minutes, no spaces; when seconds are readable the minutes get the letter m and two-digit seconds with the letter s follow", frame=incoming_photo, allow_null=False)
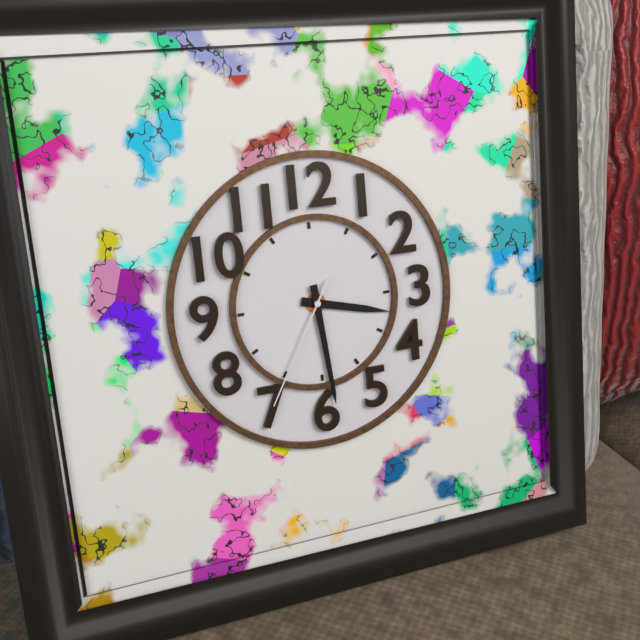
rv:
3h29m35s
